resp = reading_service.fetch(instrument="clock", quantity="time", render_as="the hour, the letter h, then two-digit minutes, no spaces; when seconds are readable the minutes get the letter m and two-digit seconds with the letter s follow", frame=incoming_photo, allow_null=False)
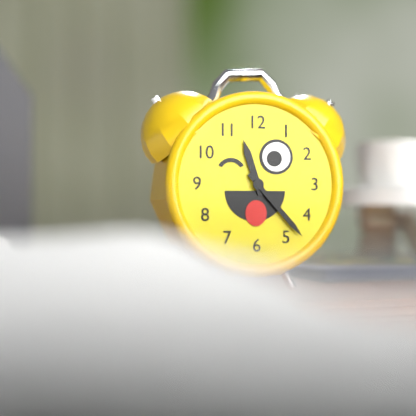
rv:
11h23
